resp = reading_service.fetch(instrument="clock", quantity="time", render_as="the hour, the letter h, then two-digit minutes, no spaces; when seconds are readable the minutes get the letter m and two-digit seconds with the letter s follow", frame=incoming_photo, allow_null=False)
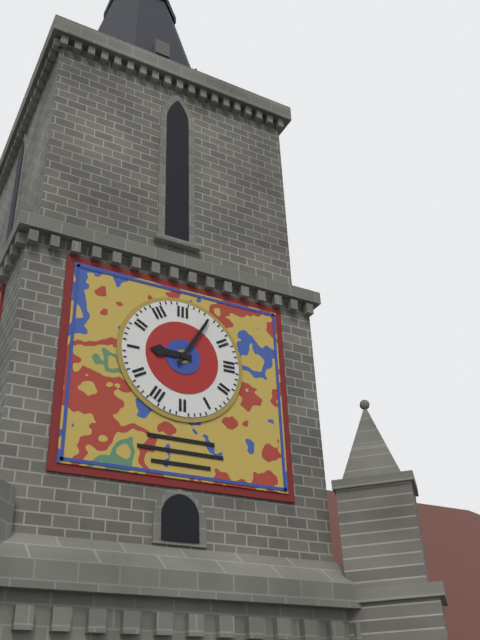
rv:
9h05
